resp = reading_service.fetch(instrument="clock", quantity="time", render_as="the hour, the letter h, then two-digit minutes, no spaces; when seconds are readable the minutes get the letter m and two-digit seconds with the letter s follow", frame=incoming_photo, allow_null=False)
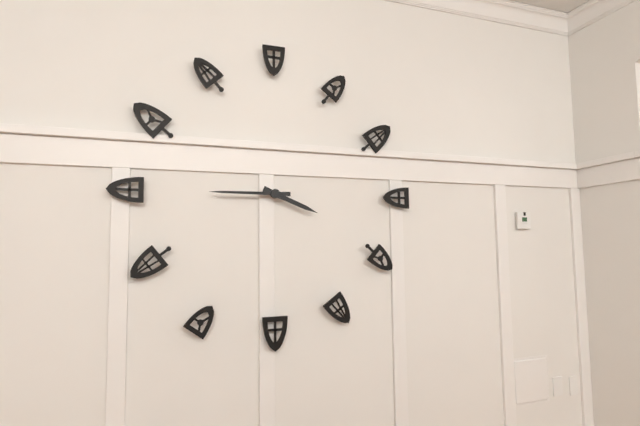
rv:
3h45
